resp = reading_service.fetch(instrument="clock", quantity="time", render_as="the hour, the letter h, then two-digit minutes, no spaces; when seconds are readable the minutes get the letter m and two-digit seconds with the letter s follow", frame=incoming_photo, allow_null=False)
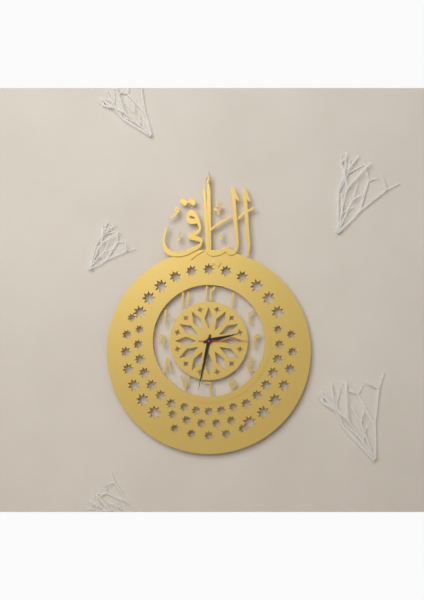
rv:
2h32m15s
